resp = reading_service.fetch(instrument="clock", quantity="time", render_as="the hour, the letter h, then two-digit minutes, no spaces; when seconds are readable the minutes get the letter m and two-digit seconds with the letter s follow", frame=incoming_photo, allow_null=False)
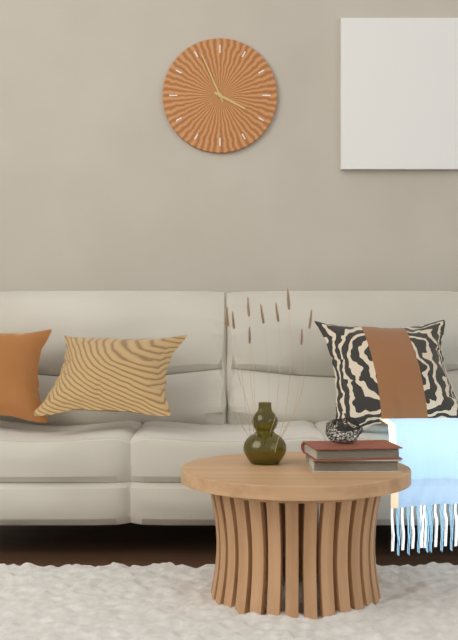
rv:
3h56
